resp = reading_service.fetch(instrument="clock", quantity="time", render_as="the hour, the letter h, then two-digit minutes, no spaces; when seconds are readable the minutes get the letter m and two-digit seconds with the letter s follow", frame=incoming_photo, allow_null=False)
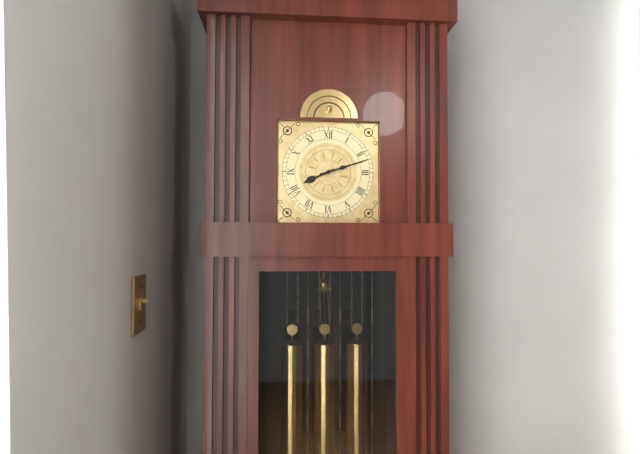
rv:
8h12
